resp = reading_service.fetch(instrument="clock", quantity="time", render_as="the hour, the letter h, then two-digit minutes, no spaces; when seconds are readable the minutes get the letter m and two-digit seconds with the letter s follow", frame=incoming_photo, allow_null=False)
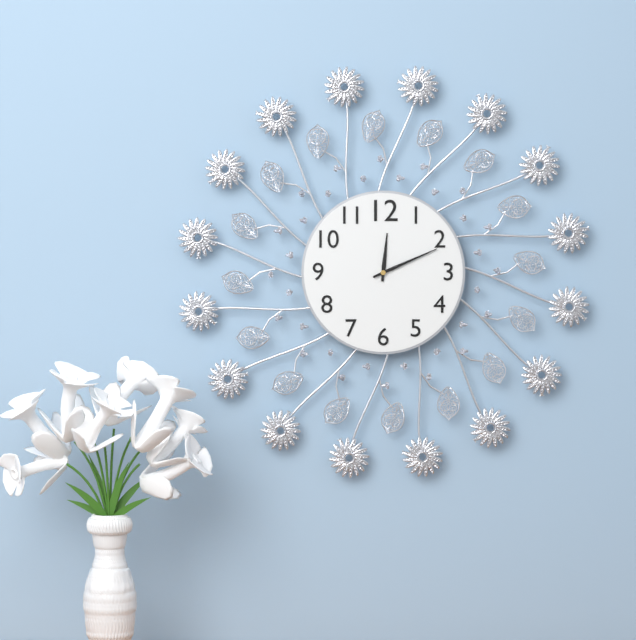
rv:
12h11
